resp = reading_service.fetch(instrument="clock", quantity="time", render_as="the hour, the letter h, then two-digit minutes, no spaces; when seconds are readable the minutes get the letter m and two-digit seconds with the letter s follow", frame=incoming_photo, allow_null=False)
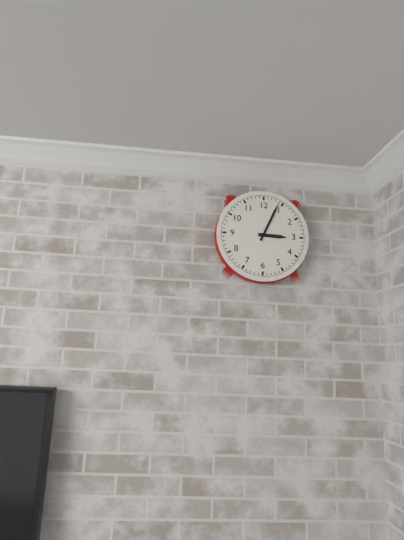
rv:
3h04
